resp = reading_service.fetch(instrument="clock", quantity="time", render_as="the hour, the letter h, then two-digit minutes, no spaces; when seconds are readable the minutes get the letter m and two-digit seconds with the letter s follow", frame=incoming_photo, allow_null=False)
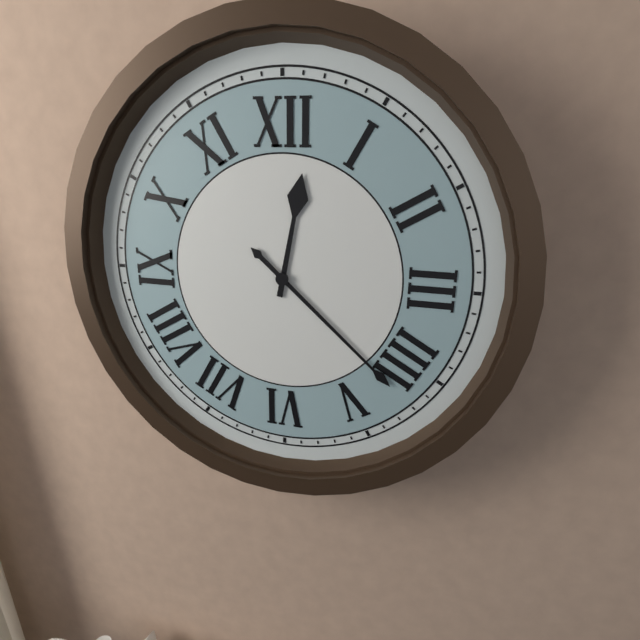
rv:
12h22
